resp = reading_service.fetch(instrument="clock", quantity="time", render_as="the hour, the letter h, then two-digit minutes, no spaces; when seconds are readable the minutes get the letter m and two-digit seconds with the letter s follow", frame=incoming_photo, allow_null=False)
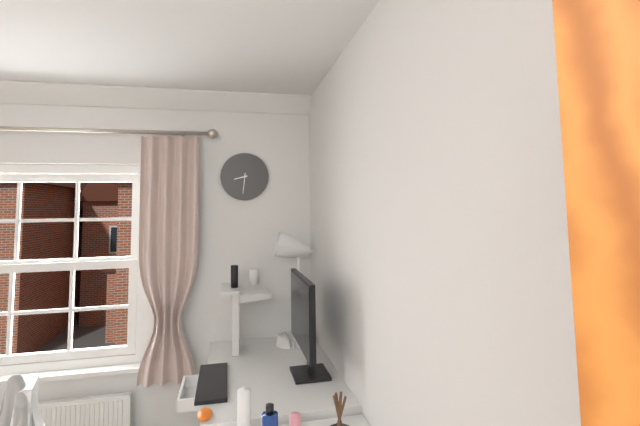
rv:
8h31
